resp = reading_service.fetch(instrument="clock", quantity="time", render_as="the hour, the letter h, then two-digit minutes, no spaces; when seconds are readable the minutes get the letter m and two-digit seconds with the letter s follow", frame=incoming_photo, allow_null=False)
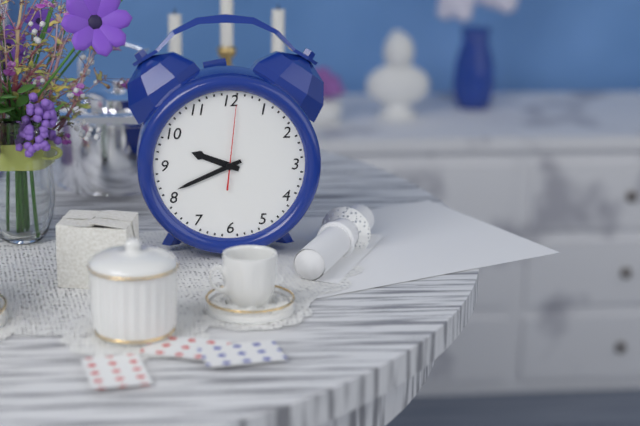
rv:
9h41m01s
